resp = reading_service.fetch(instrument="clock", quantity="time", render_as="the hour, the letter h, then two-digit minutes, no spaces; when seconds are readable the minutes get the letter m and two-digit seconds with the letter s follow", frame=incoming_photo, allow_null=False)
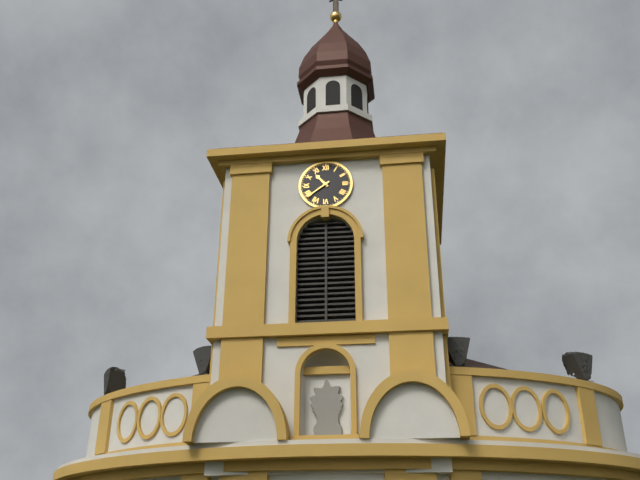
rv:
10h39
